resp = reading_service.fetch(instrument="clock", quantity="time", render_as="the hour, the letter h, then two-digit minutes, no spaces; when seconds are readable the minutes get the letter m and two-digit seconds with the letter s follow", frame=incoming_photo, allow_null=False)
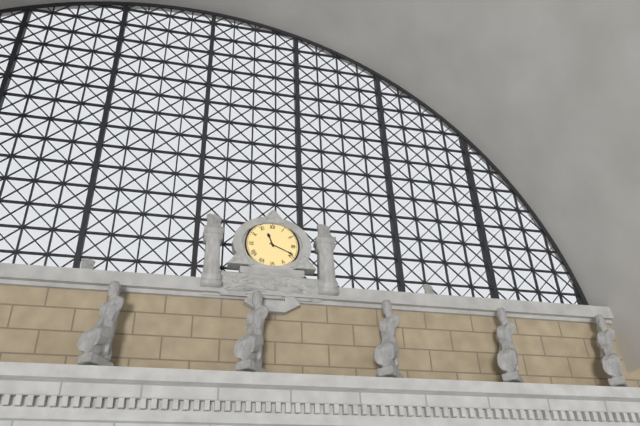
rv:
11h19
